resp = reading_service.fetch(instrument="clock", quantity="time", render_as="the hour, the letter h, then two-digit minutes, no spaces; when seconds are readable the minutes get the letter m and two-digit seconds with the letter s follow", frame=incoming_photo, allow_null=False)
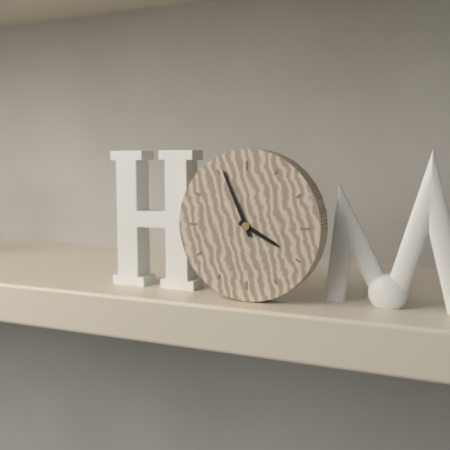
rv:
3h56
